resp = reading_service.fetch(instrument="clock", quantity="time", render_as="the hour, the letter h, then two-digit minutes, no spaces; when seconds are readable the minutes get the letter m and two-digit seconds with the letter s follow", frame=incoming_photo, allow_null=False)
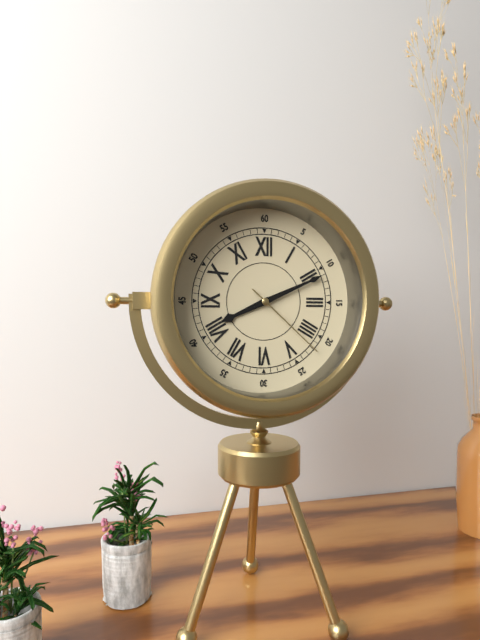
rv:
8h11m22s
